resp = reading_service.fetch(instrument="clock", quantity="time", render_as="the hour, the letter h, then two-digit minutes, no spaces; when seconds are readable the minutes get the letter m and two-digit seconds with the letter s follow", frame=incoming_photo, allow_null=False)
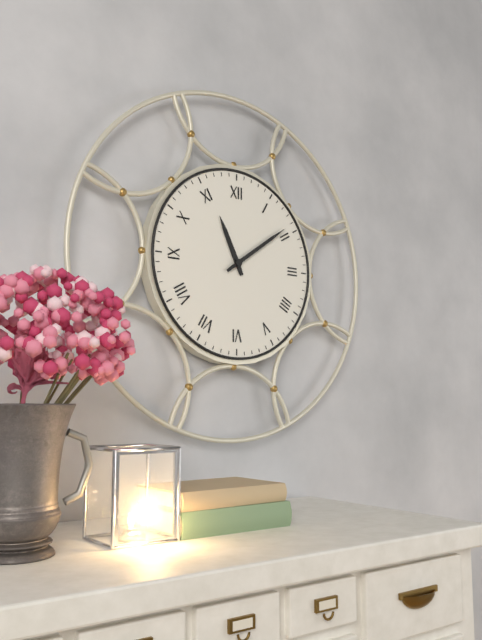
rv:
11h09
